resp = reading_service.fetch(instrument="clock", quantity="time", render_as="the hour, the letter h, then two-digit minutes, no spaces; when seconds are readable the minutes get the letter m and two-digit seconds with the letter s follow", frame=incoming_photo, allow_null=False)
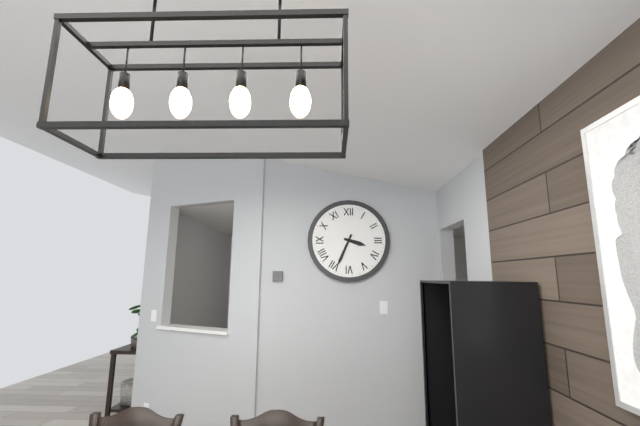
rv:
3h34
